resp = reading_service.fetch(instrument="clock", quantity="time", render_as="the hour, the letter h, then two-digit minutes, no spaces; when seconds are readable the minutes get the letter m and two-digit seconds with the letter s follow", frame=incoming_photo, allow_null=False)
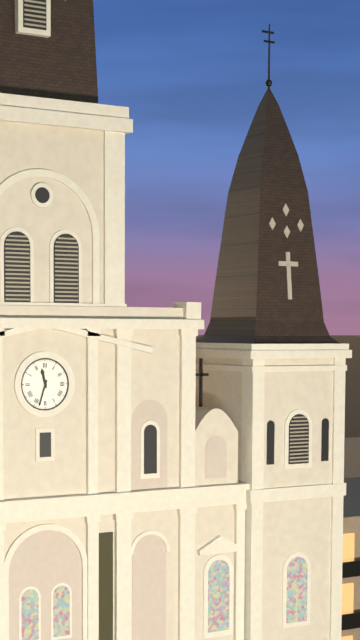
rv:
11h33
